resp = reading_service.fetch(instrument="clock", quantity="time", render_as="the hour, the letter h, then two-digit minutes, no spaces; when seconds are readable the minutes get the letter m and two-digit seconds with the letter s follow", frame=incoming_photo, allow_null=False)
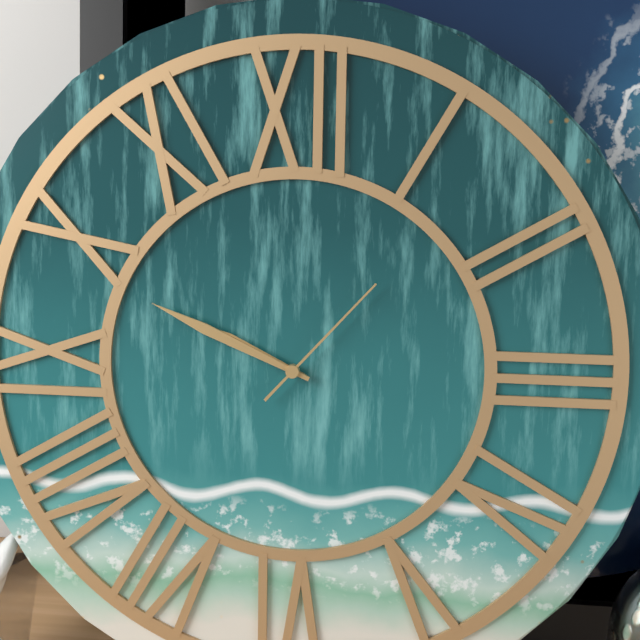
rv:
9h49m07s
